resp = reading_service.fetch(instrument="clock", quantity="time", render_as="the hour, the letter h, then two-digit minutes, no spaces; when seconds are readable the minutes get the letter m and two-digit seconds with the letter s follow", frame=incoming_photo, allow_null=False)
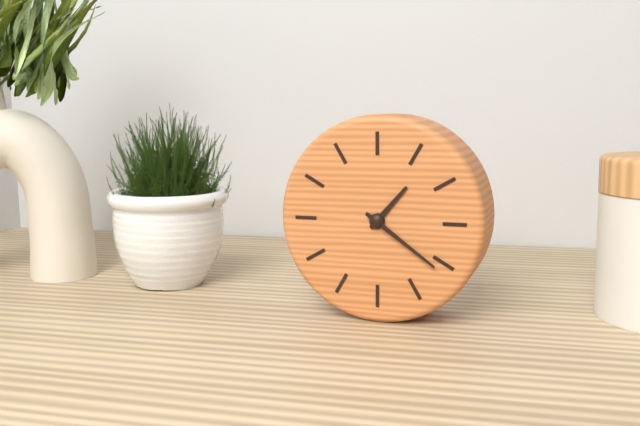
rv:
1h21
